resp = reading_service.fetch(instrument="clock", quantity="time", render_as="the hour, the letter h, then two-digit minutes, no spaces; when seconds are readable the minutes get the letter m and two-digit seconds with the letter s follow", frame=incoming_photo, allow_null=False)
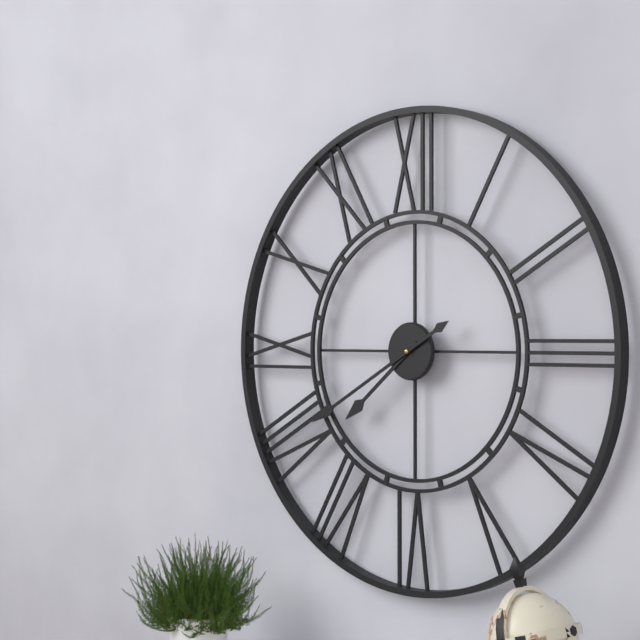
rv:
7h40
